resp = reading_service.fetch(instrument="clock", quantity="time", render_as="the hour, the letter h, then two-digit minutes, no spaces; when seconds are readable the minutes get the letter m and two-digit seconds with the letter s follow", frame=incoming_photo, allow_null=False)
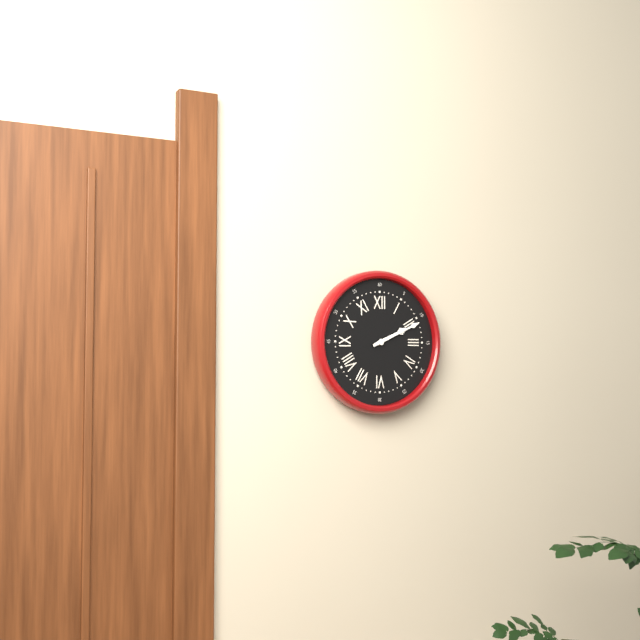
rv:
2h11
